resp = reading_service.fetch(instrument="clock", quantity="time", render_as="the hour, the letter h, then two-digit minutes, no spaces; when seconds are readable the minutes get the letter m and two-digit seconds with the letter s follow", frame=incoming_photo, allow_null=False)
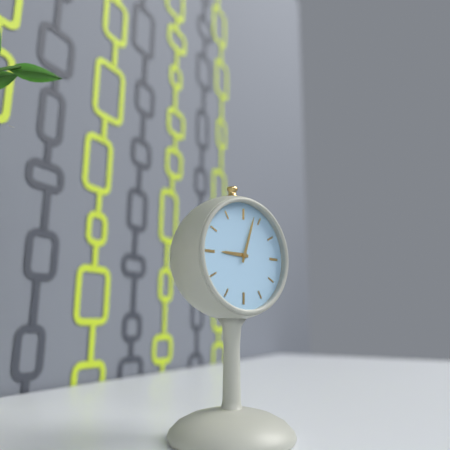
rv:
9h03
